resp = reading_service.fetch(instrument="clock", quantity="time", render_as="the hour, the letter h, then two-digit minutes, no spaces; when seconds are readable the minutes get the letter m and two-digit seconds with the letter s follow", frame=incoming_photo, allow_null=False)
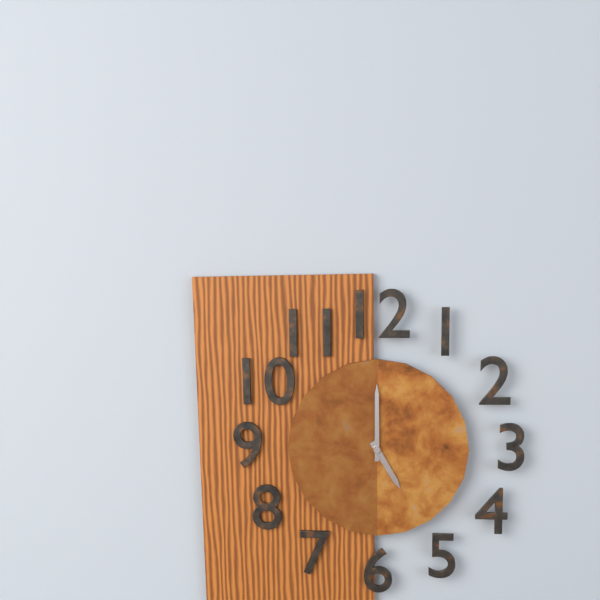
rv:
5h00
